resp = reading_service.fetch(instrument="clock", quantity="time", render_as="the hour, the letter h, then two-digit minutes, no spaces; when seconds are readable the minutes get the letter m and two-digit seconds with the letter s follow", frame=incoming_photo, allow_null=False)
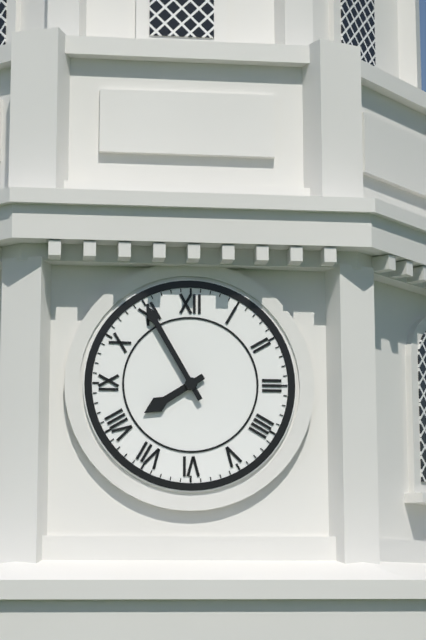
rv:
7h55
